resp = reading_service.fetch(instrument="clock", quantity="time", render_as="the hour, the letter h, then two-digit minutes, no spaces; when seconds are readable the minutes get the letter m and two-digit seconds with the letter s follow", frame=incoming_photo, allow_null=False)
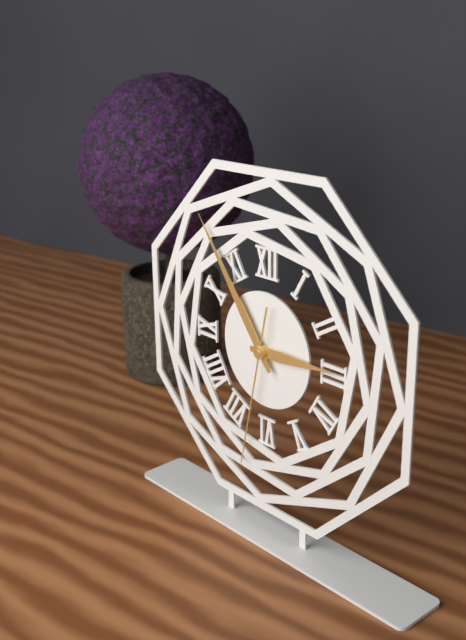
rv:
2h54m32s
